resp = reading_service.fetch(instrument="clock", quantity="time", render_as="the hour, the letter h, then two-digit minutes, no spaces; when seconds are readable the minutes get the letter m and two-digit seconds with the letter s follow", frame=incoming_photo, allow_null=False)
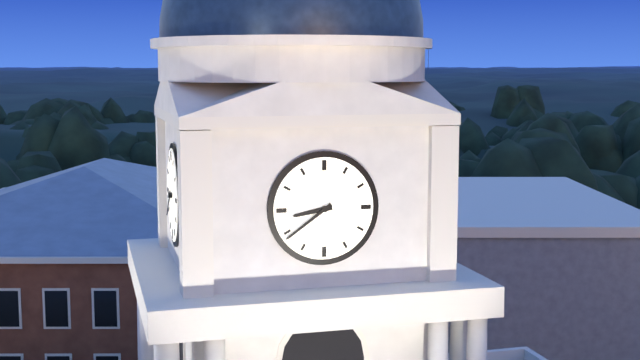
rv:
8h39
